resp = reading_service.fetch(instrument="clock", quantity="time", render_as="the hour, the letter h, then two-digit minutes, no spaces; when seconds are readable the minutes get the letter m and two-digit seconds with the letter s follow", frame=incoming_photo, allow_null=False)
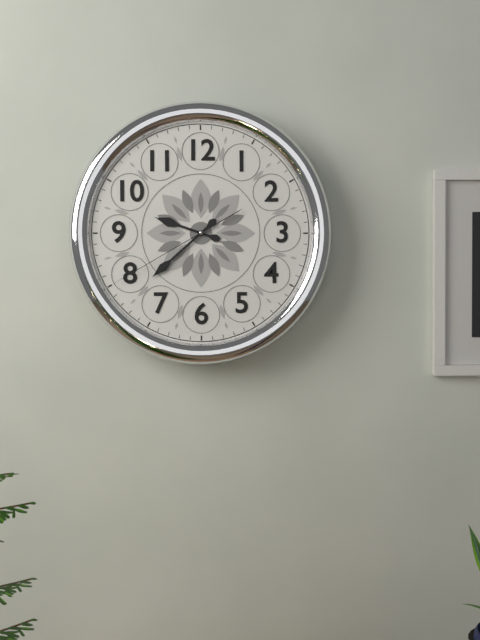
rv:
9h38m40s
